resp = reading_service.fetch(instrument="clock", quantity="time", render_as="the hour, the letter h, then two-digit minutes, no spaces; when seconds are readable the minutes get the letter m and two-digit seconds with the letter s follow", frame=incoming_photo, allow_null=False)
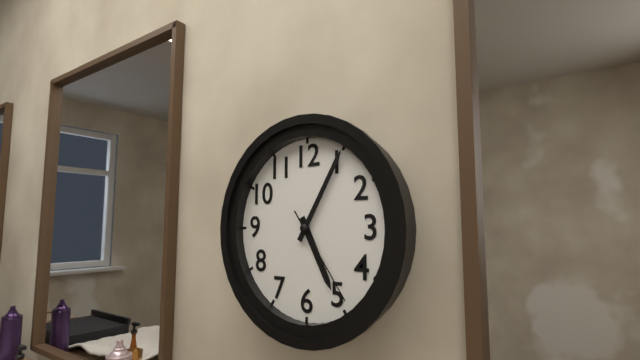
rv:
5h05m24s
